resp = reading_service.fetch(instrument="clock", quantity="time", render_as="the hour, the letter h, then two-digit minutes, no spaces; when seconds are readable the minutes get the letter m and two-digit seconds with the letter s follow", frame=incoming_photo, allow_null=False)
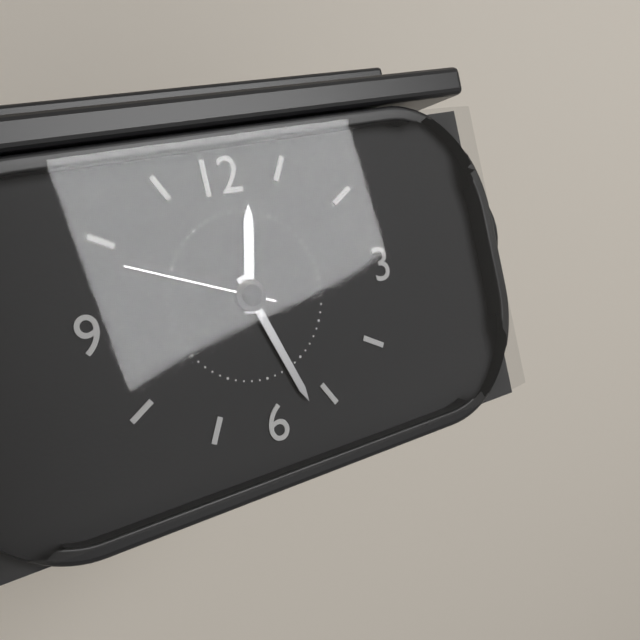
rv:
12h27m49s
